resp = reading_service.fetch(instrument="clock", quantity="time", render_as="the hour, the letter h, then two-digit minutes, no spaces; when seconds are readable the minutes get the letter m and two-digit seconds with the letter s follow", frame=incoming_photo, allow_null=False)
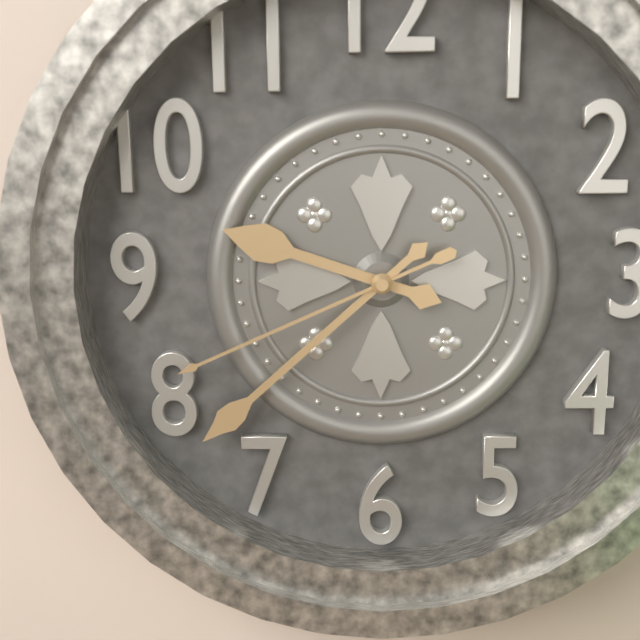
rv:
9h38m41s
